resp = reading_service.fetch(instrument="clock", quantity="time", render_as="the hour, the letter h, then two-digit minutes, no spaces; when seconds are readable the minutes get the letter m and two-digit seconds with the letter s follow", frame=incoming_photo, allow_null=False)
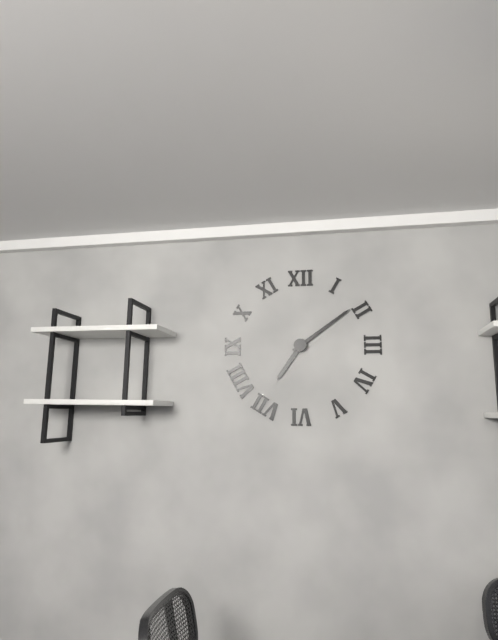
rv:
7h09
